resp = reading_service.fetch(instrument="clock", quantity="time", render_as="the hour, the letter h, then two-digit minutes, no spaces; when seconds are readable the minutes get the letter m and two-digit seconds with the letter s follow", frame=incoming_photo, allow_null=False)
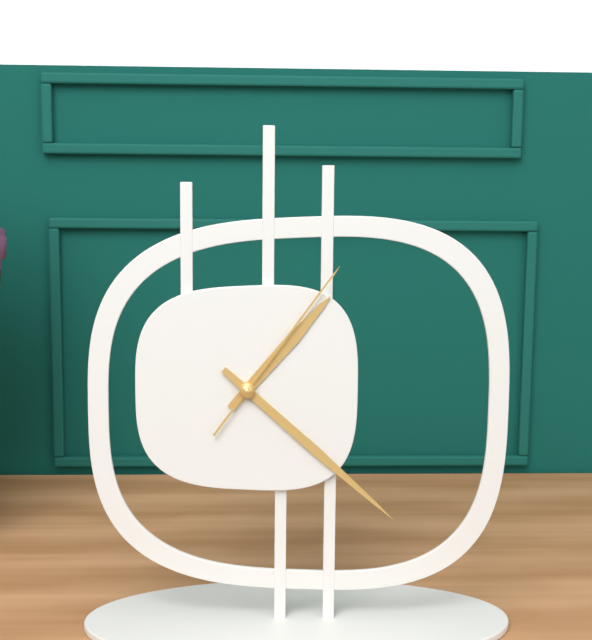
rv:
1h22m06s
